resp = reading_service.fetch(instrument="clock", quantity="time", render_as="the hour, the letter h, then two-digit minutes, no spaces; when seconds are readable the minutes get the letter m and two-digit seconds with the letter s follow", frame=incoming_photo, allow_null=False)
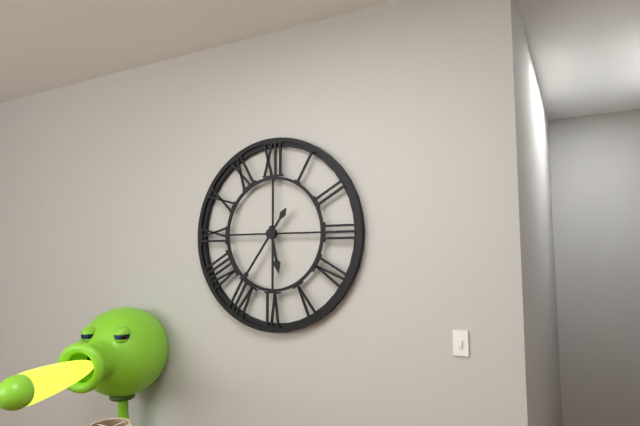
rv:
5h36
